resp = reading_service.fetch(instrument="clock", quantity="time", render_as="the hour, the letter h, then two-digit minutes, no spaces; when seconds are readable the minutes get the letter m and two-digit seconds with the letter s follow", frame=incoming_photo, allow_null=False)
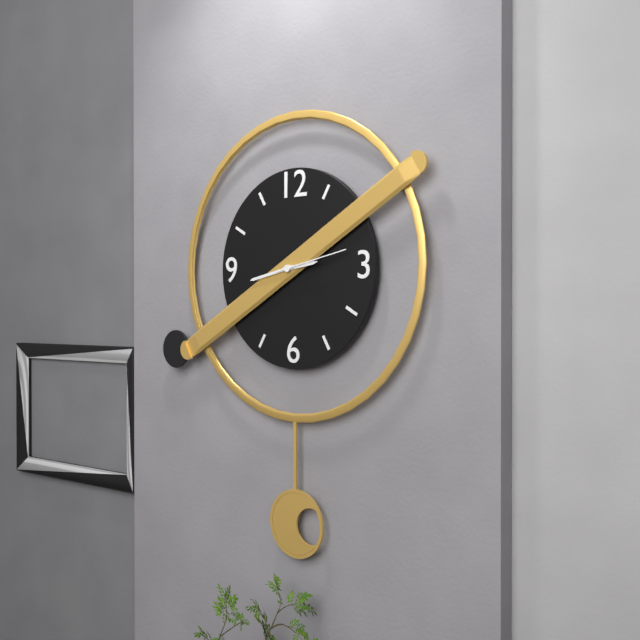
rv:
2h43
